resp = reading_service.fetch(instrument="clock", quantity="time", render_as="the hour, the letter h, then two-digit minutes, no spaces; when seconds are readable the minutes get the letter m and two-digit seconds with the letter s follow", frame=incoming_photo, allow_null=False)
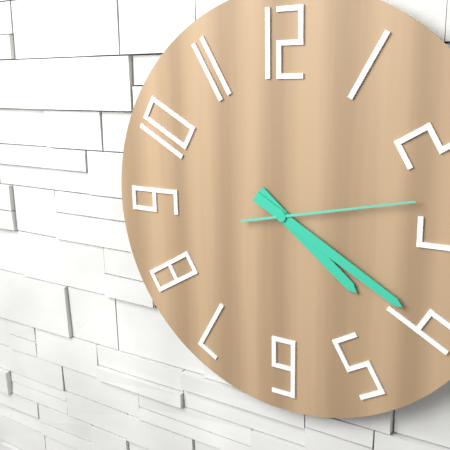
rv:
4h20m13s
